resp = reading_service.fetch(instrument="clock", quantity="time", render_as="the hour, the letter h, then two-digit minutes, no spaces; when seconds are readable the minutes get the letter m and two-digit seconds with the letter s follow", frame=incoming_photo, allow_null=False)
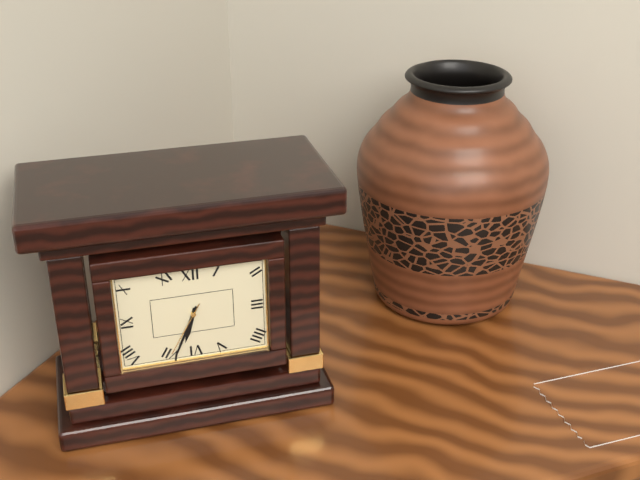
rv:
6h34m35s
